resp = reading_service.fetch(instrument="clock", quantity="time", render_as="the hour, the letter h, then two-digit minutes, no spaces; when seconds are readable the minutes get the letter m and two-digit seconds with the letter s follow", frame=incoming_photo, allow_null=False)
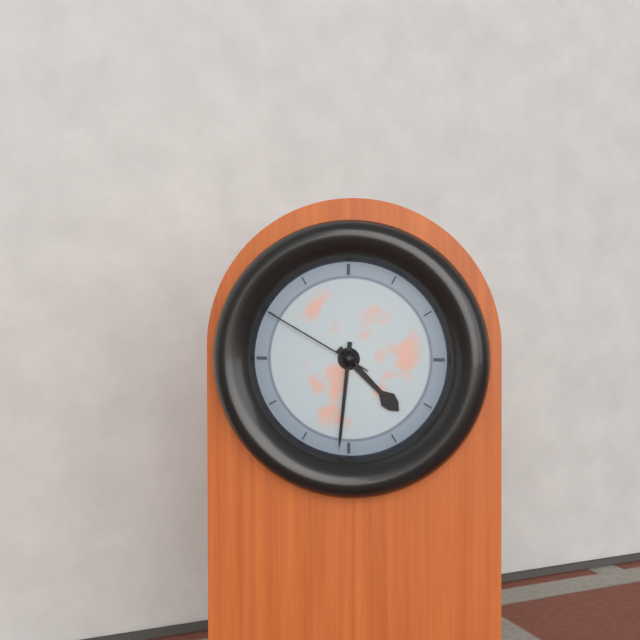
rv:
4h31m50s
